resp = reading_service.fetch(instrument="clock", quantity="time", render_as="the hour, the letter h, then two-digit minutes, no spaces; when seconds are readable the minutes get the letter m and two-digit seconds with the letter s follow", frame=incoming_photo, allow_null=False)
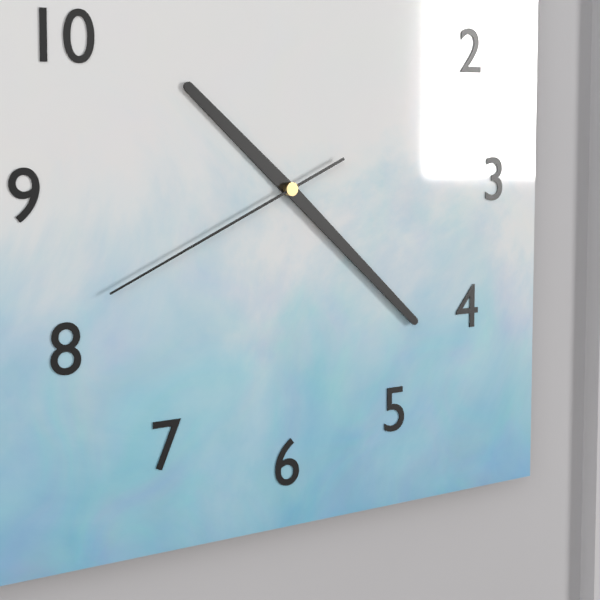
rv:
10h22m41s
